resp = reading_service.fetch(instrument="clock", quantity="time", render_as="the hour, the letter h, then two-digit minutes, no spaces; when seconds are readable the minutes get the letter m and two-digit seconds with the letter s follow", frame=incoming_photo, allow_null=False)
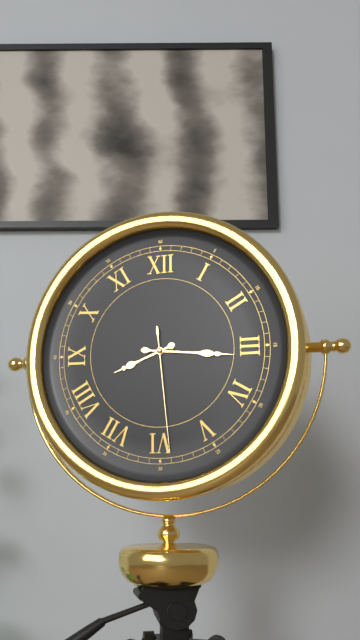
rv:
8h16m29s
